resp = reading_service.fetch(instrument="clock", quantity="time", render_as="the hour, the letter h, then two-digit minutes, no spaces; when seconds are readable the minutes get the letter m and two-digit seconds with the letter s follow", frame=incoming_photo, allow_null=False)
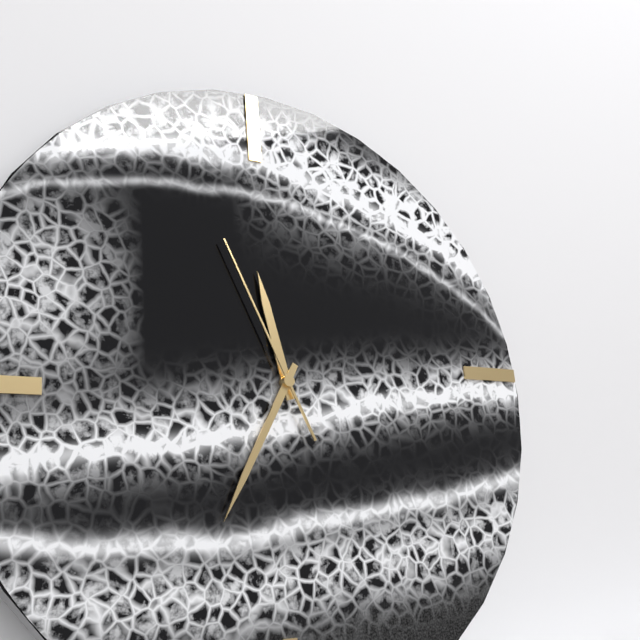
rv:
11h35m56s
